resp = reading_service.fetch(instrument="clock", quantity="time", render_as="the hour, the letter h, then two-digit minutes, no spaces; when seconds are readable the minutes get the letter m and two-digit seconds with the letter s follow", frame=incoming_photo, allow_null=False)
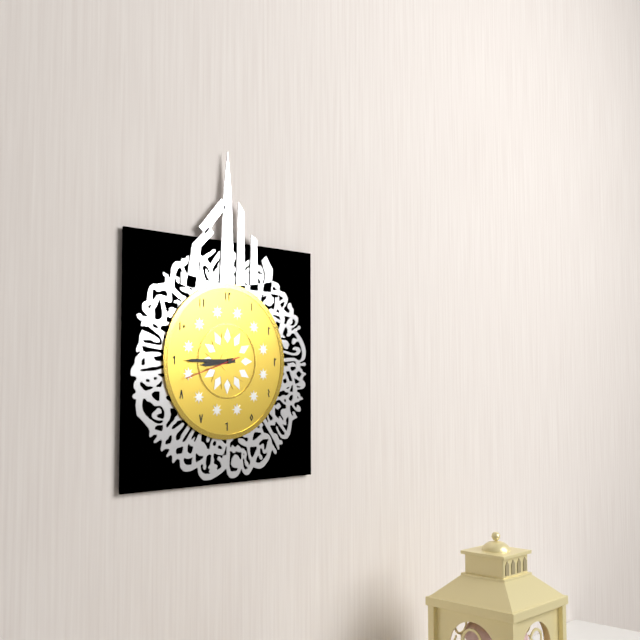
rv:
8h45m42s
